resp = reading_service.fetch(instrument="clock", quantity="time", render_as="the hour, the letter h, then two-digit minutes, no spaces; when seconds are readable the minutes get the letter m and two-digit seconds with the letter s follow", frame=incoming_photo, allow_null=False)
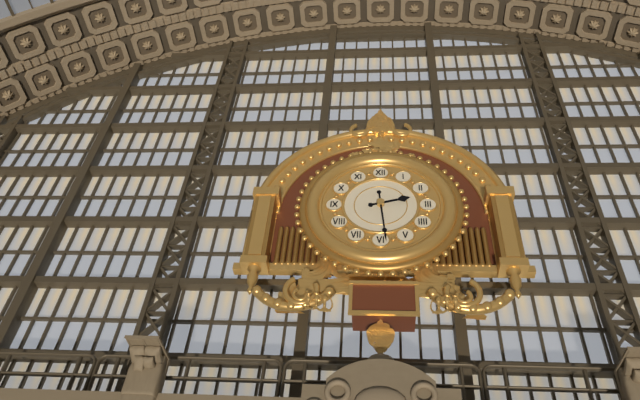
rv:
2h29
